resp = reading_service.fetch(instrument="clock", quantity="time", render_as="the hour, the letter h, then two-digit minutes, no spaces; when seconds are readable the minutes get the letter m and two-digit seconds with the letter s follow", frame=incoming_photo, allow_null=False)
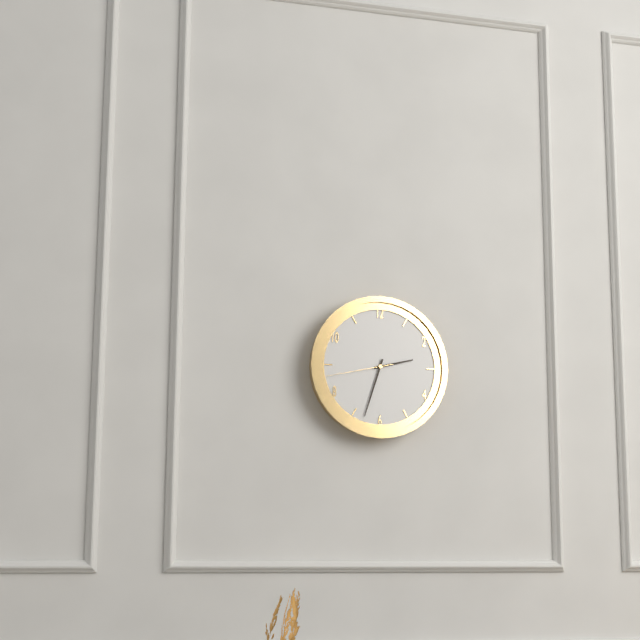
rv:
2h33m43s
